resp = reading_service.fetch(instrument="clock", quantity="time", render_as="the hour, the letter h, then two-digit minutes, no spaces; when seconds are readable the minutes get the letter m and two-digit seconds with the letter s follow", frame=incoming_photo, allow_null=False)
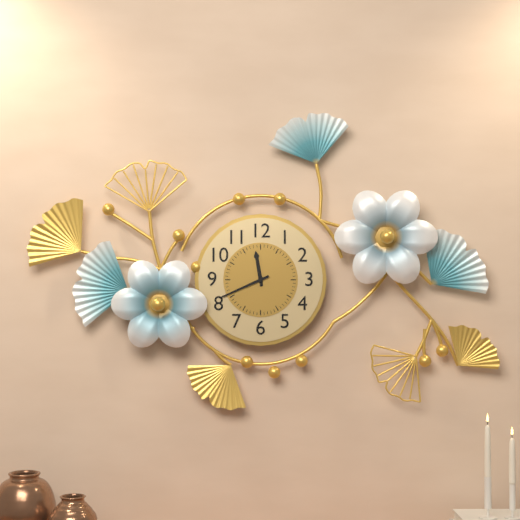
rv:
11h41
